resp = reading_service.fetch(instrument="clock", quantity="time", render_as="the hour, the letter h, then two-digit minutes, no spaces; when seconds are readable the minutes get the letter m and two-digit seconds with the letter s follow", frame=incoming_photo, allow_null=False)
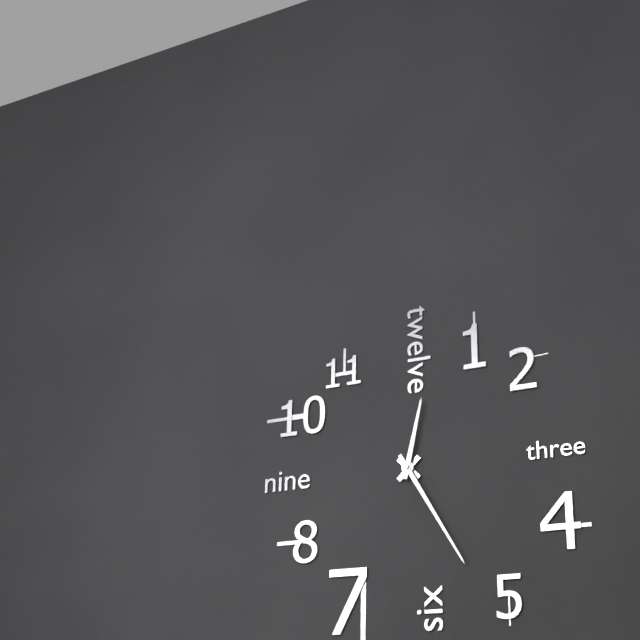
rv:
12h25
